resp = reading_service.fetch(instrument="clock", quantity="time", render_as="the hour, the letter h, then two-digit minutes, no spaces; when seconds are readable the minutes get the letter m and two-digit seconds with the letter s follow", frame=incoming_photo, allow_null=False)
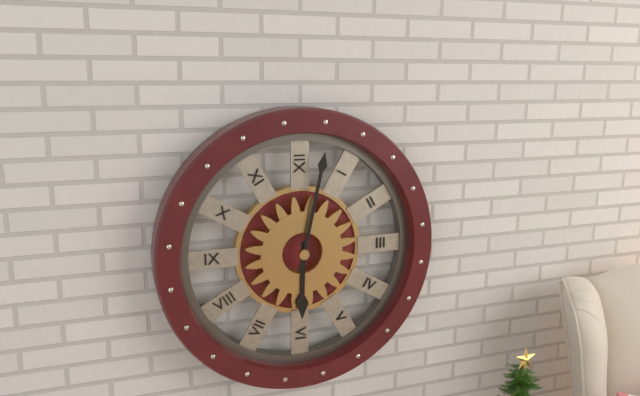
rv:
6h02
